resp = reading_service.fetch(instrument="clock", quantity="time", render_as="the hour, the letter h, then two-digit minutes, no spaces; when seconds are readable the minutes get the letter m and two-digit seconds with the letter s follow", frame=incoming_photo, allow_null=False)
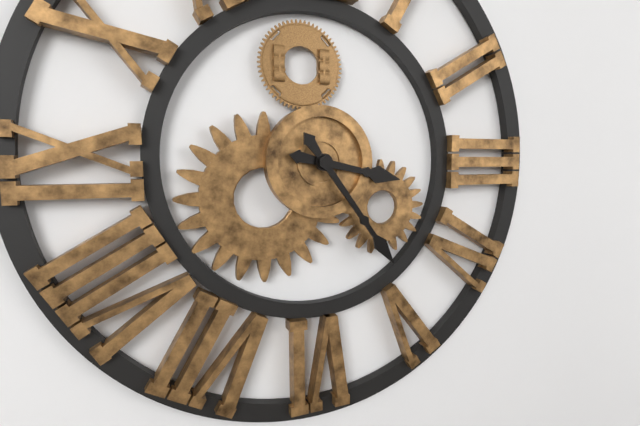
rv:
3h24
